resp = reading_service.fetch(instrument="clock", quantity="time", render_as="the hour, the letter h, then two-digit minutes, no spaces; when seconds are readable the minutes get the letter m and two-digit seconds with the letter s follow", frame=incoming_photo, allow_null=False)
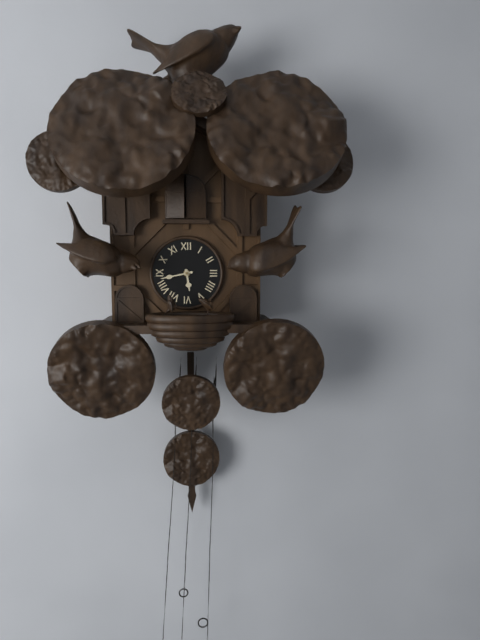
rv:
5h43
